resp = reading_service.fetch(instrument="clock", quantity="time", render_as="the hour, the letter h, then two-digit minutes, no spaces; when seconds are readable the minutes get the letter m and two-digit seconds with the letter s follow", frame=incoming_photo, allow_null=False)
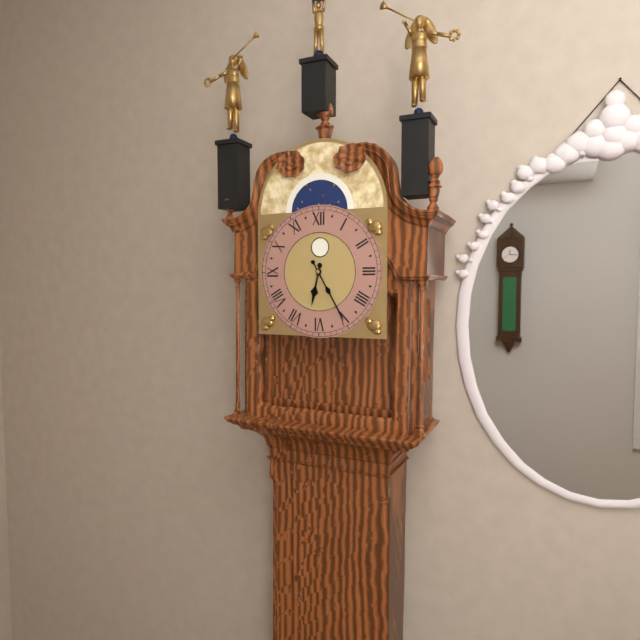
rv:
6h25
